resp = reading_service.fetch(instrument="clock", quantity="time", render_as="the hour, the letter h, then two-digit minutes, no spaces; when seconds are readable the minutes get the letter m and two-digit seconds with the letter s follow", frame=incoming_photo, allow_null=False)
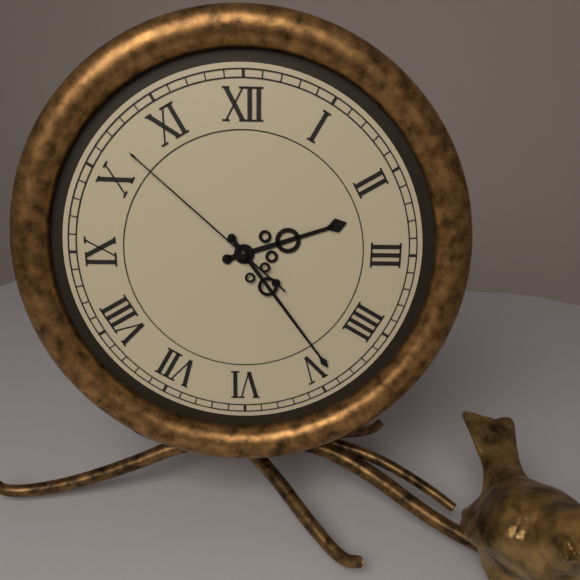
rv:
2h24m52s
